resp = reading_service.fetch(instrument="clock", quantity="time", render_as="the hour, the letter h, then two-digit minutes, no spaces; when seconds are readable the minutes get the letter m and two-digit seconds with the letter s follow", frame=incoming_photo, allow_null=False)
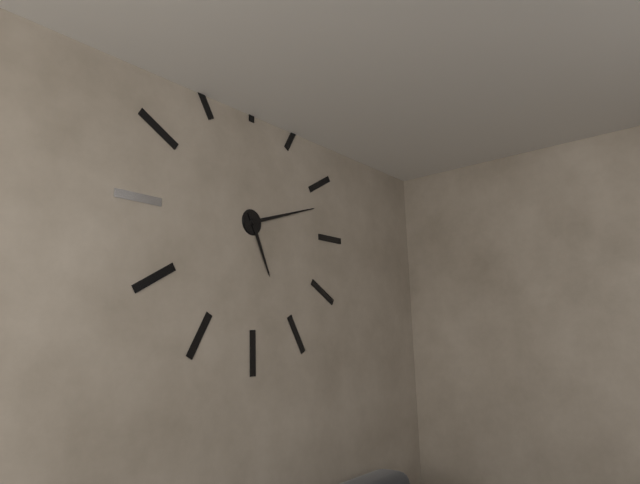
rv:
5h12
